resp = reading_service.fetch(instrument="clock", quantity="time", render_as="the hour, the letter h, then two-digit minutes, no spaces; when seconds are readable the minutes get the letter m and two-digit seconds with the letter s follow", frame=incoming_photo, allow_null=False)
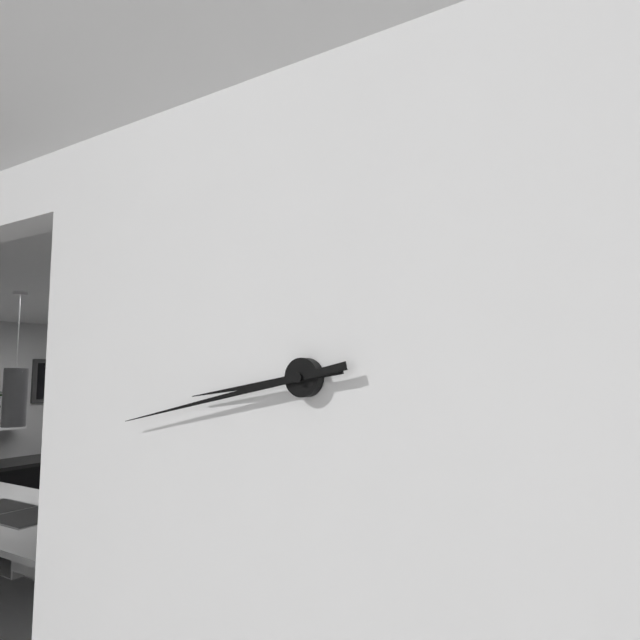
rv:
8h43
